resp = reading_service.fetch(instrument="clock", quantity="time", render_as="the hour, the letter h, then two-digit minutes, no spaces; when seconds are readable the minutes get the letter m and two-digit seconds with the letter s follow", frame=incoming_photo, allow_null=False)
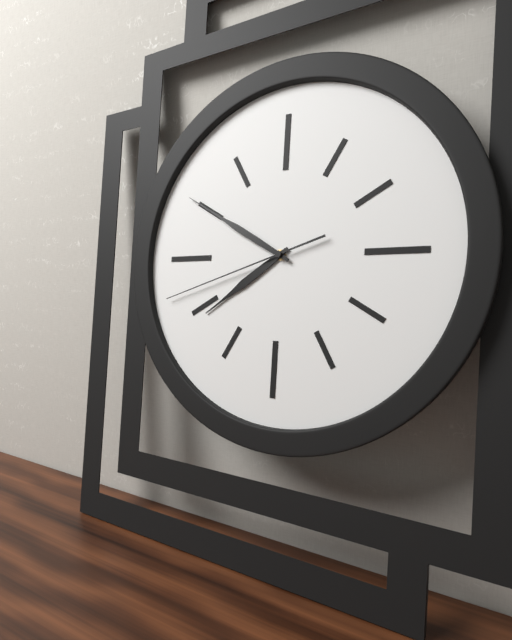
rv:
7h50m42s
